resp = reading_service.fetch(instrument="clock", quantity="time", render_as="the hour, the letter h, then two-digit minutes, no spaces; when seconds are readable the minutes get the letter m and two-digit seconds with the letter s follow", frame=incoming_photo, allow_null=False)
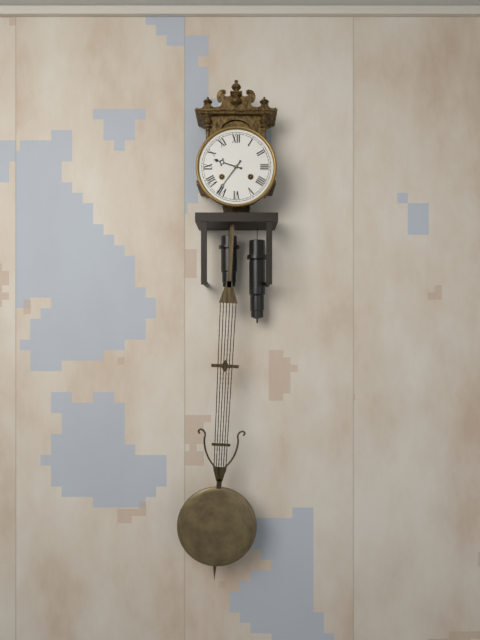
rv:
9h36
